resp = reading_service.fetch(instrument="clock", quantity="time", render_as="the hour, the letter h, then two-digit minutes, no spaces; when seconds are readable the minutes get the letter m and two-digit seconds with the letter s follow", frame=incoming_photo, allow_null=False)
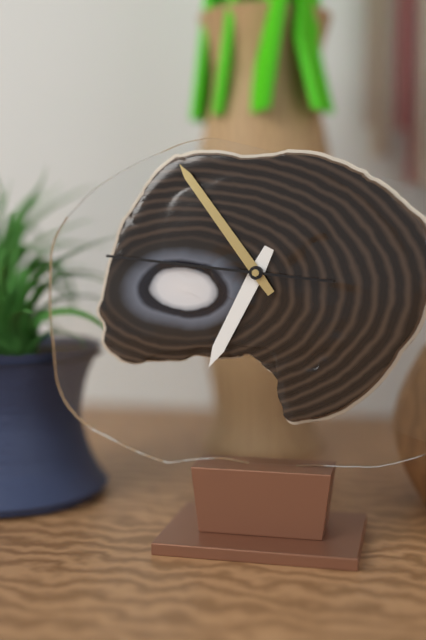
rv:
6h54m46s
